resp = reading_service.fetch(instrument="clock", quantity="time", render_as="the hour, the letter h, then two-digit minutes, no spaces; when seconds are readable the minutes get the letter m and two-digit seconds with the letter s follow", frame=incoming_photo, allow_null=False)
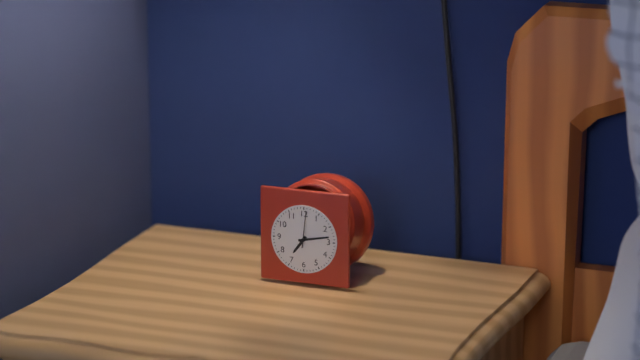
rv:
7h13
